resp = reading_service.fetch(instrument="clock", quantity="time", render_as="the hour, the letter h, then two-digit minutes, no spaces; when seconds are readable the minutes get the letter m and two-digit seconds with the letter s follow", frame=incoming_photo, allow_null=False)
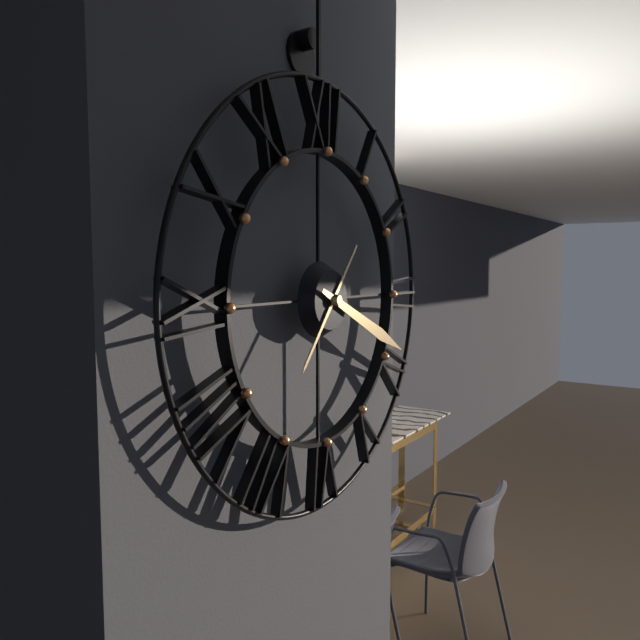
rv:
7h19
